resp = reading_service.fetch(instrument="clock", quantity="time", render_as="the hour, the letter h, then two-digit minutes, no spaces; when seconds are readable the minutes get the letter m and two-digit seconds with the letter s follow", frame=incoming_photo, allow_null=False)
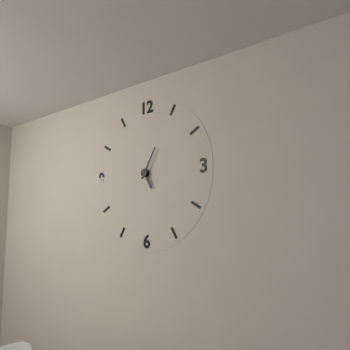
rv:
5h05
